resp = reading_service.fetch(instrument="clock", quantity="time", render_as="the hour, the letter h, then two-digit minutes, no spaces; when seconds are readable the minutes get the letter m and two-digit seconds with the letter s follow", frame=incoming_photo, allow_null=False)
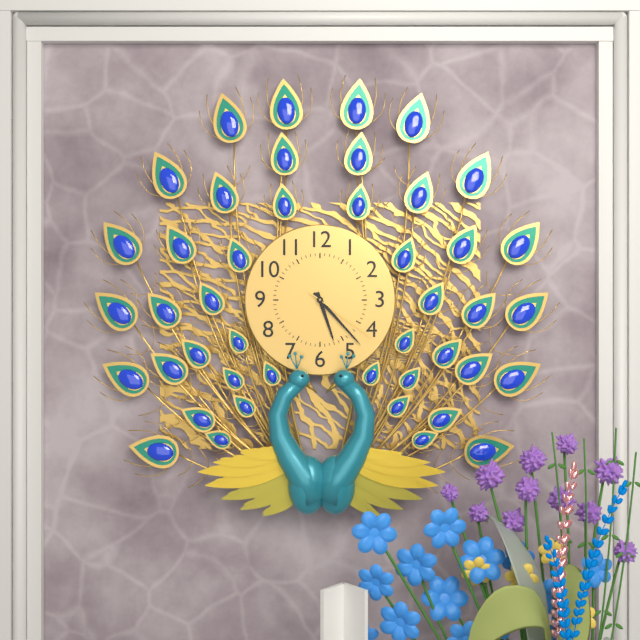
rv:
5h23m21s
